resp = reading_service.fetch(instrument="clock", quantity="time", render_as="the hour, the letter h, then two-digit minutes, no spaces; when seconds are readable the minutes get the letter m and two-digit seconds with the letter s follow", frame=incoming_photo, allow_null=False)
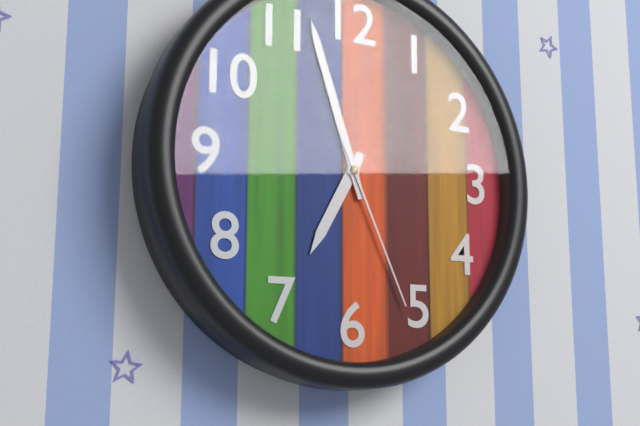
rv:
6h57m26s
